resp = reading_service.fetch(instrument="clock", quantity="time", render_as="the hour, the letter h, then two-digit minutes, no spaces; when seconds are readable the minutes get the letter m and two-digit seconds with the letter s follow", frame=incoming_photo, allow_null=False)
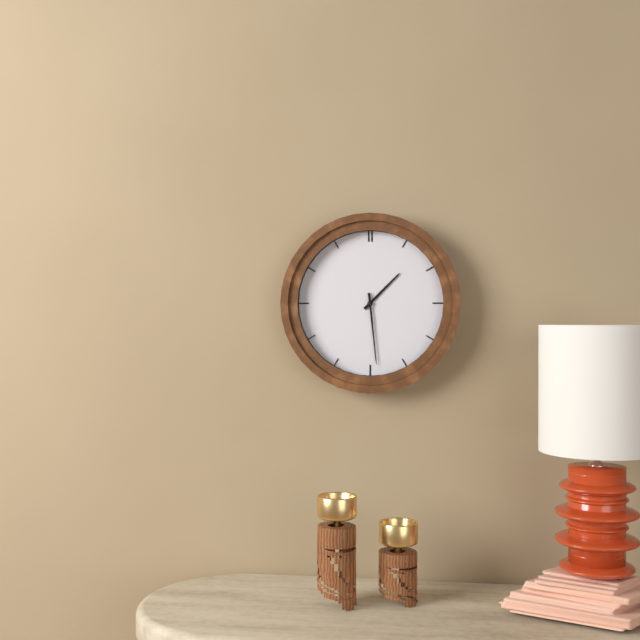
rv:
1h29
